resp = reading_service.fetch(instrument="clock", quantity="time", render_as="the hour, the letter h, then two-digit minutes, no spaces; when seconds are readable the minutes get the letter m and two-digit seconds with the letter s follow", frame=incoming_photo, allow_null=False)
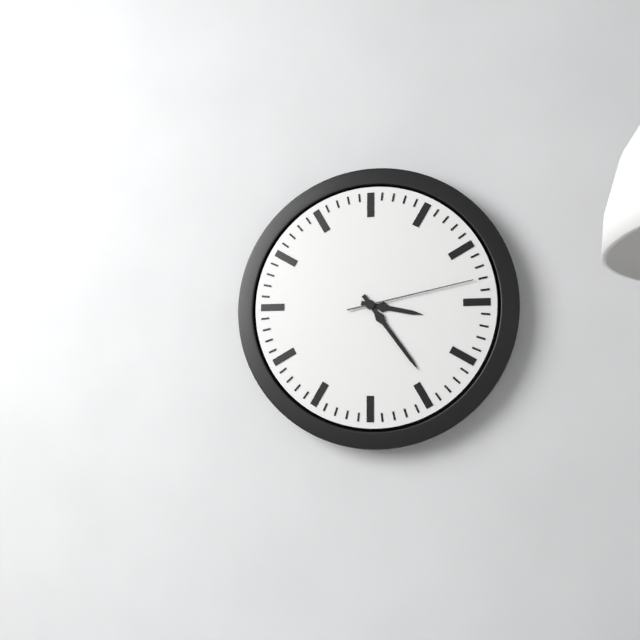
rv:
3h24m13s
